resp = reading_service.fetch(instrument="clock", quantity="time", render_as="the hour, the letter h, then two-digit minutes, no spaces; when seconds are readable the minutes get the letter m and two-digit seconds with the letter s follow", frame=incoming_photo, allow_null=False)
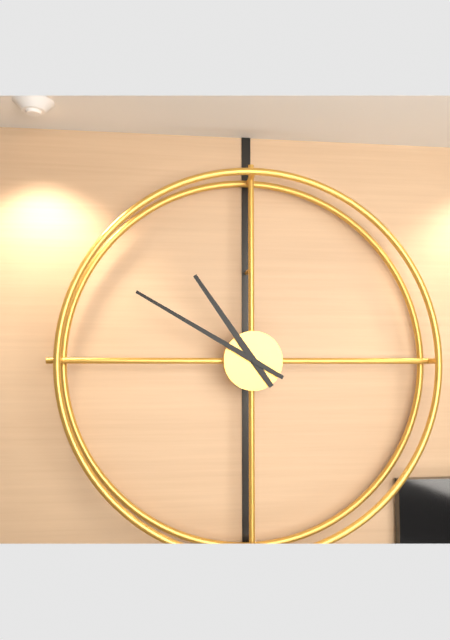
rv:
10h50
